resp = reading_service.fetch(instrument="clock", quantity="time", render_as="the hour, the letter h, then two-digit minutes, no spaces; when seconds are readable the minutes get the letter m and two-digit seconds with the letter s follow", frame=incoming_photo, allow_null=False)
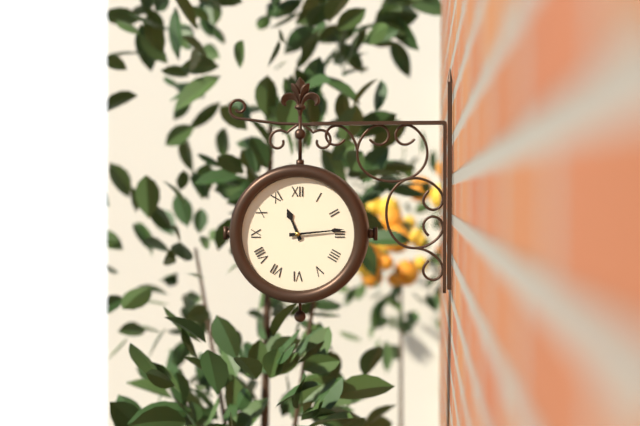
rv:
11h14
